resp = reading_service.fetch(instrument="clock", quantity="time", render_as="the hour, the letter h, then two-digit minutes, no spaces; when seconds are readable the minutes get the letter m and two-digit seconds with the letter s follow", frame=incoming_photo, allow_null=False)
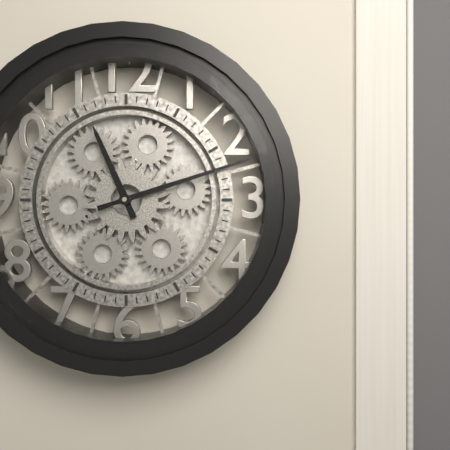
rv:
11h12
